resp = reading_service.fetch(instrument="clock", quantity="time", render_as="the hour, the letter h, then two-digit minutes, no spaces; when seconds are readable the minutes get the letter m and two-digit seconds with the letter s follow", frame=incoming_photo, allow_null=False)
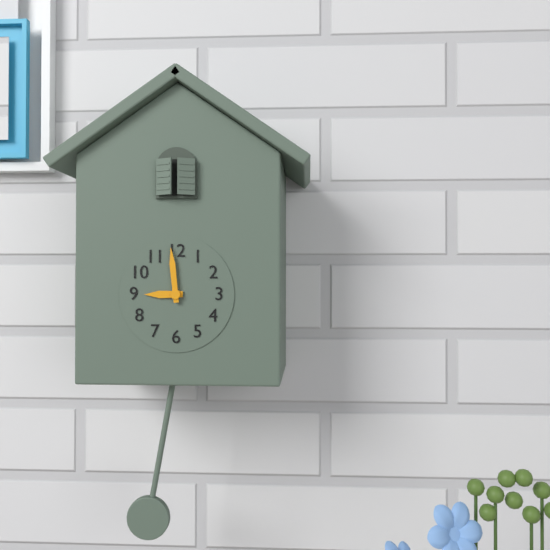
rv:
8h59
